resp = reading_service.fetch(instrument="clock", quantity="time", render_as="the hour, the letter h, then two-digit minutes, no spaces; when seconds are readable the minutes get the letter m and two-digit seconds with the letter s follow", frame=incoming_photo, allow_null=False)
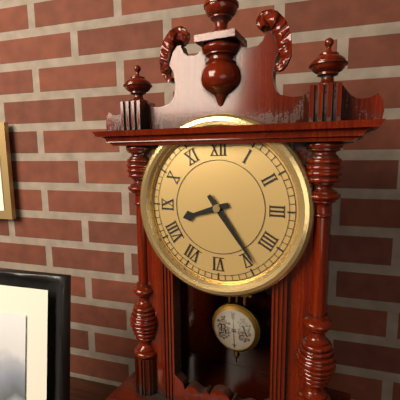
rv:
8h24
